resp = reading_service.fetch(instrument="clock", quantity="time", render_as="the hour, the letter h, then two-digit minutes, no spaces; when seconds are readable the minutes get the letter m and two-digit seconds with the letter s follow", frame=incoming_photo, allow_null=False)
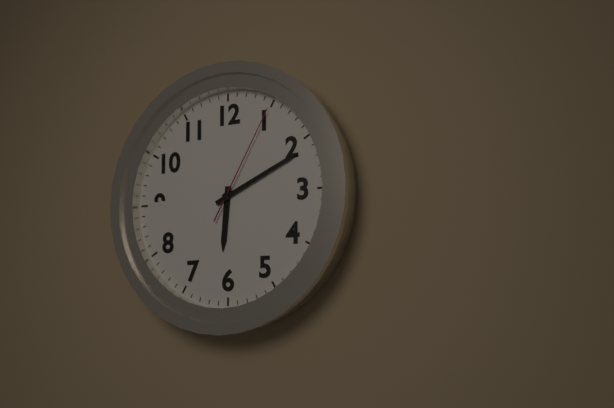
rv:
6h11m05s
